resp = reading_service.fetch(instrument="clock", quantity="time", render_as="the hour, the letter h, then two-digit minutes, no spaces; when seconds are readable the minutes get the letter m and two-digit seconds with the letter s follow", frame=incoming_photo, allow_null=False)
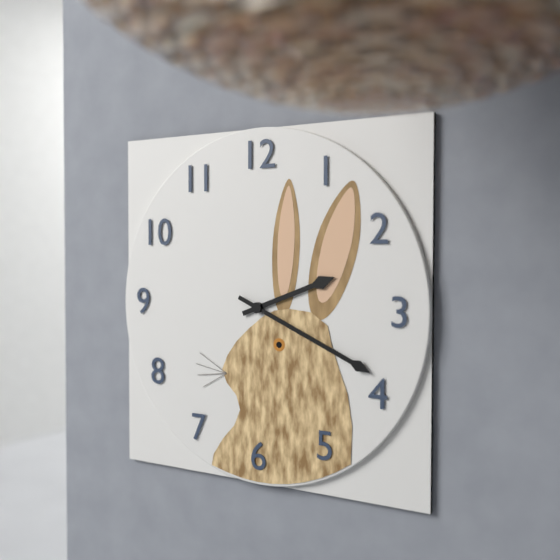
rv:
2h19
